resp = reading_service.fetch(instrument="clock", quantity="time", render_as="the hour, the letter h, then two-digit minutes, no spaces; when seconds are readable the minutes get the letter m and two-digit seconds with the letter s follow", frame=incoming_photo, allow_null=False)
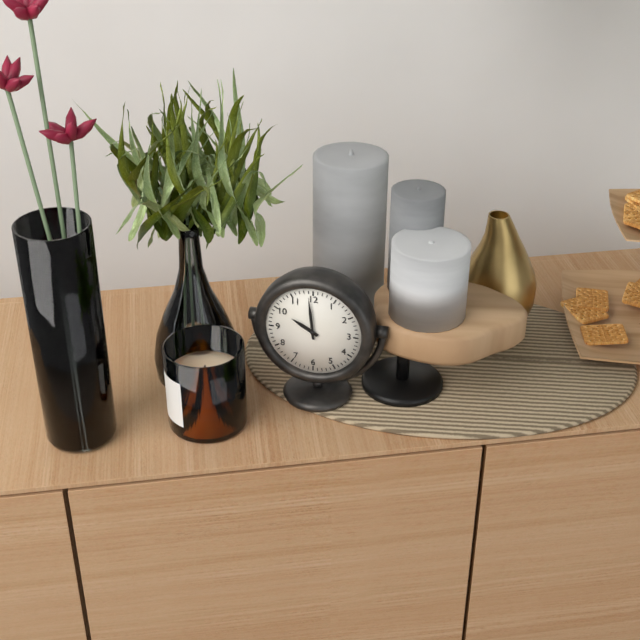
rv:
9h59
